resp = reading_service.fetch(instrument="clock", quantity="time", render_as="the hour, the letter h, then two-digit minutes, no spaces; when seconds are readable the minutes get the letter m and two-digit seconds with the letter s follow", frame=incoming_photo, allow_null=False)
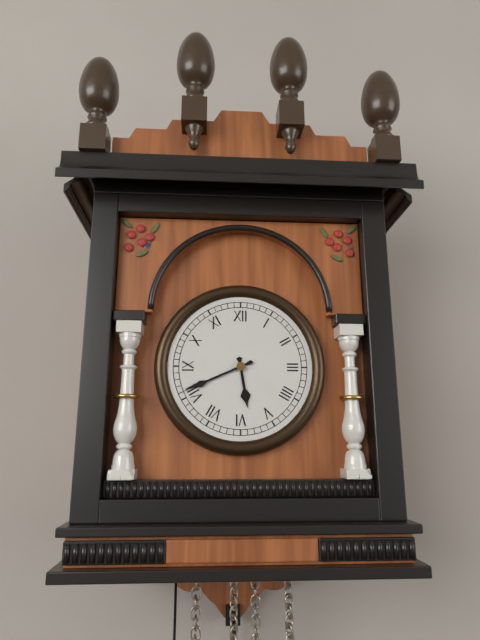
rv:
5h41
